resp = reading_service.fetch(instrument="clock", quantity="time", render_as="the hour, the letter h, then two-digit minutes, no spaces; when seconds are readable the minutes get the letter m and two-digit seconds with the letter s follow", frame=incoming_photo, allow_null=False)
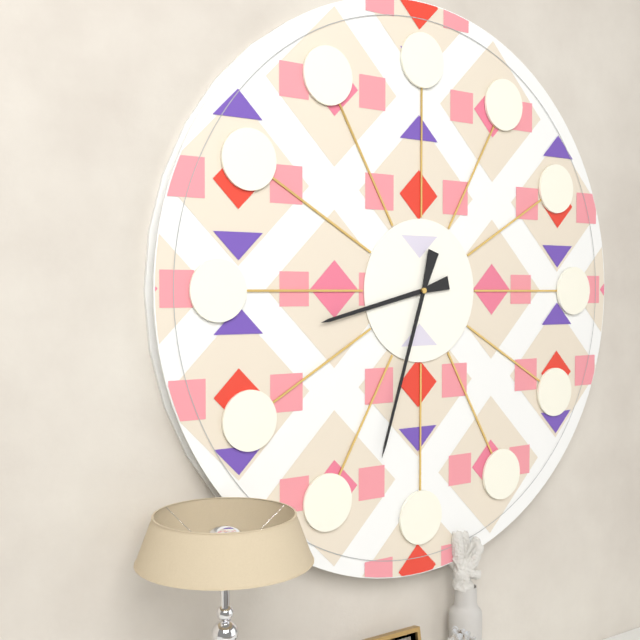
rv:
8h33
